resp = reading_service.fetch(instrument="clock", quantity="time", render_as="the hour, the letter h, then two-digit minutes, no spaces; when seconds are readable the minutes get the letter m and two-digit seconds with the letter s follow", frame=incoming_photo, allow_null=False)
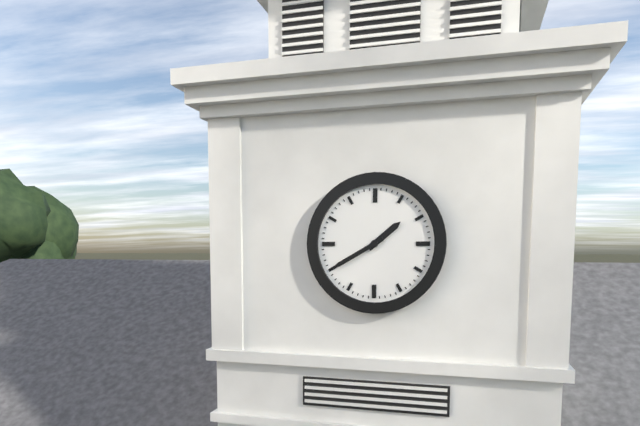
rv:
1h40
